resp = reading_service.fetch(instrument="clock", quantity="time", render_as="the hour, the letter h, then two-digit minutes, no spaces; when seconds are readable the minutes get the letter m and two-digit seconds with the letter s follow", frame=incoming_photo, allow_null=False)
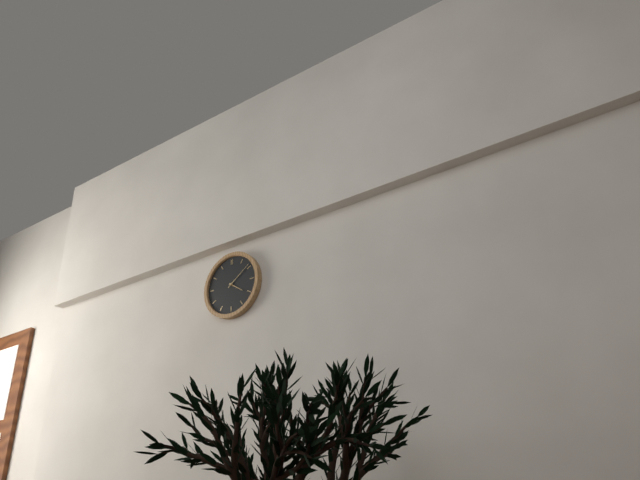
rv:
4h09
